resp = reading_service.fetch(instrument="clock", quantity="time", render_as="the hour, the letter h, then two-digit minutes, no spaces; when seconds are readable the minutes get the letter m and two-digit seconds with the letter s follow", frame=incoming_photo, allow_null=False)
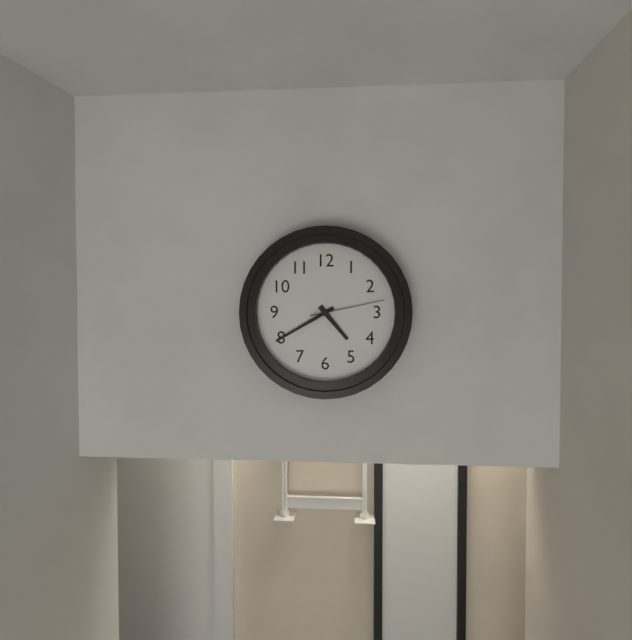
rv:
4h40m13s
